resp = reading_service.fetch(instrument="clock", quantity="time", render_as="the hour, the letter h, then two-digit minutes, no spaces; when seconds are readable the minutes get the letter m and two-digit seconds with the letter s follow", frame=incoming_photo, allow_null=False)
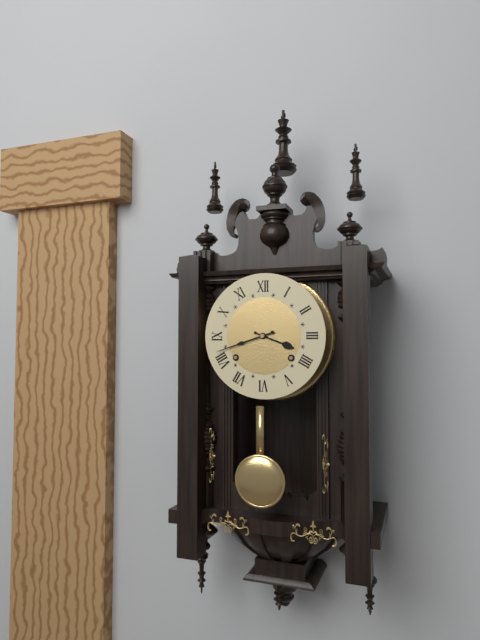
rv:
3h42
